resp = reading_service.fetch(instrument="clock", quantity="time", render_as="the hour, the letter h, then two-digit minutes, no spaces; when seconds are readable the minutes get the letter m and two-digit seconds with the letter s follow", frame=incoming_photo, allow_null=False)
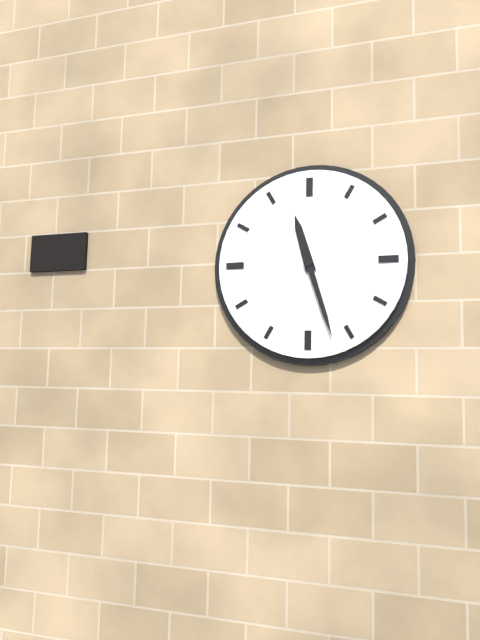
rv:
11h27
